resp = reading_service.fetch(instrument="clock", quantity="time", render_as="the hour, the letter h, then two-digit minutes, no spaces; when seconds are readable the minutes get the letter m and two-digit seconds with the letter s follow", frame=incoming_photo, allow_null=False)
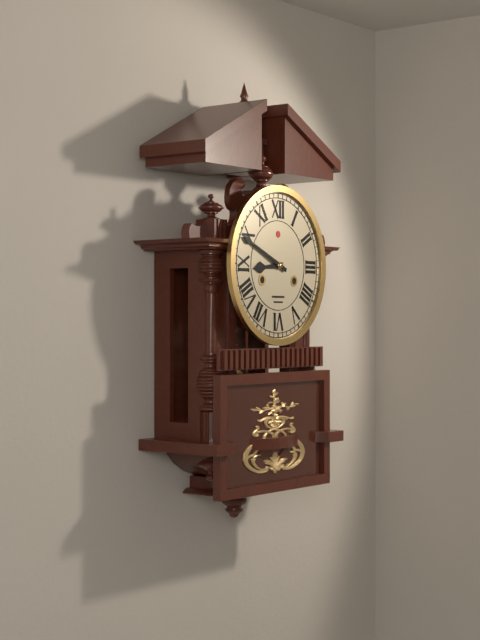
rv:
8h49
